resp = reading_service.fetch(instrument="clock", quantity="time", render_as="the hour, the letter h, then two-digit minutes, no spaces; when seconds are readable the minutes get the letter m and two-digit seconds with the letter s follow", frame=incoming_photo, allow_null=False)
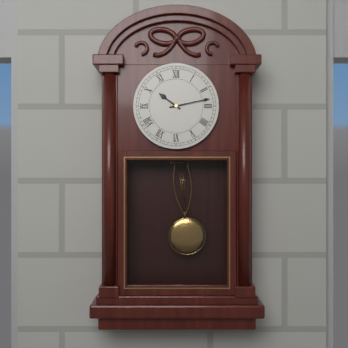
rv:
10h13
